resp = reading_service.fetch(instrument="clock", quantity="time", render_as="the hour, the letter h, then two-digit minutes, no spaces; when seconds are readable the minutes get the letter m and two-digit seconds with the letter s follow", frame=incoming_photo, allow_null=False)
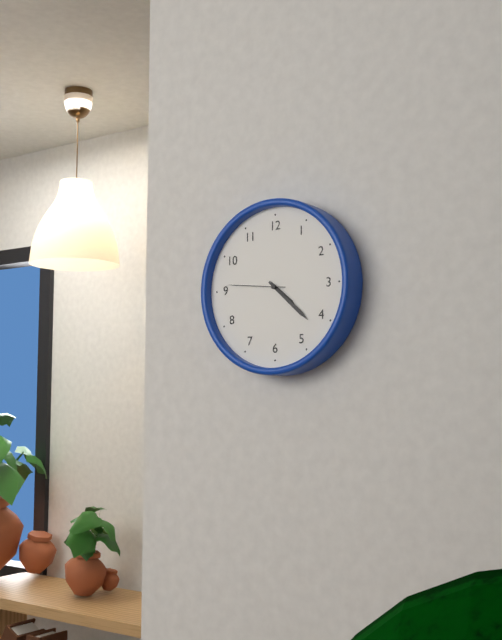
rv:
4h22m46s
